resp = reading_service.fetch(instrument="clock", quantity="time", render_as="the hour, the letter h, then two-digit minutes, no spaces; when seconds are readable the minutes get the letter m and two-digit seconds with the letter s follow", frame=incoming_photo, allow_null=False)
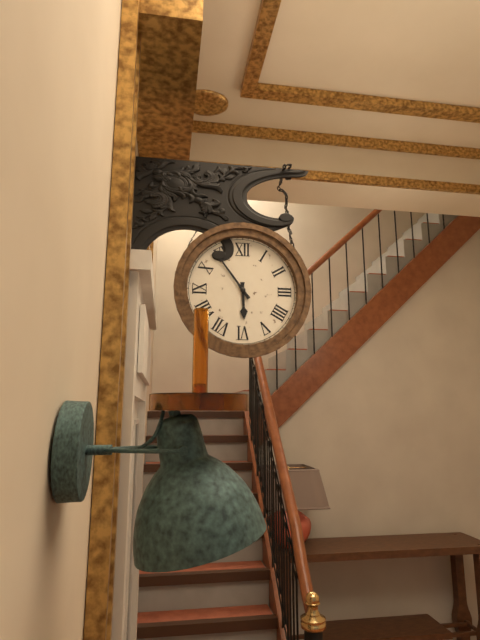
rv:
5h54
